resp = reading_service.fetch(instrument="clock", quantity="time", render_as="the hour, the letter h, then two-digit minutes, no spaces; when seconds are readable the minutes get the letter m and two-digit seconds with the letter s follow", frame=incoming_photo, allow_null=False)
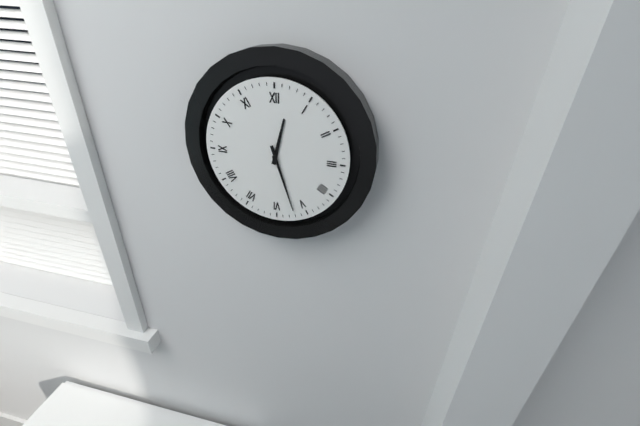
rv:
12h27
